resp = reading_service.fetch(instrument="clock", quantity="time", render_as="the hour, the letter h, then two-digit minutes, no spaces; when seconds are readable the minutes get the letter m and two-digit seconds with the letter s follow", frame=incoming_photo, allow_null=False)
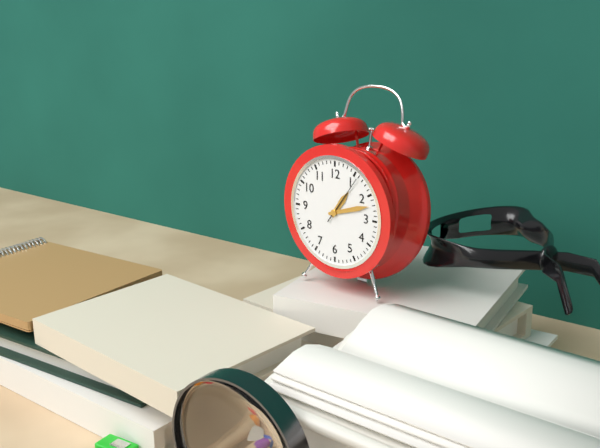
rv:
1h12
